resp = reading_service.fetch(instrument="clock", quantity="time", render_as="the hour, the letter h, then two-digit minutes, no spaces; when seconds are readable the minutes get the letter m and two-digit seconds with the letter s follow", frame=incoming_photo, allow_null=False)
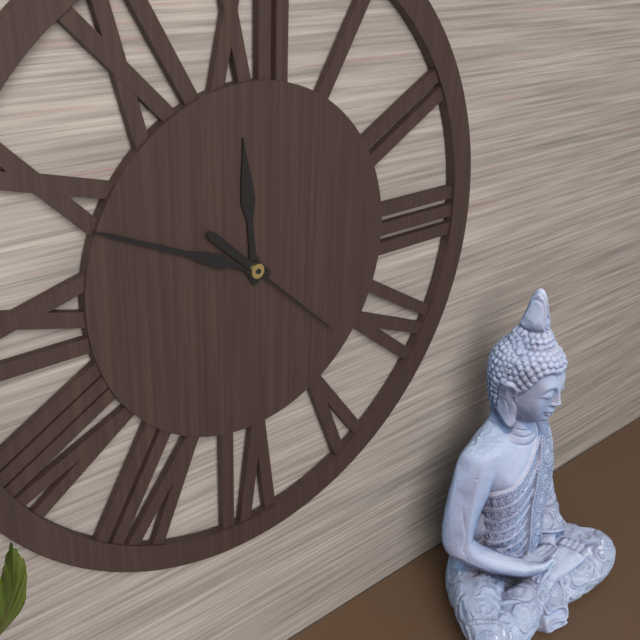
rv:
11h49m22s
